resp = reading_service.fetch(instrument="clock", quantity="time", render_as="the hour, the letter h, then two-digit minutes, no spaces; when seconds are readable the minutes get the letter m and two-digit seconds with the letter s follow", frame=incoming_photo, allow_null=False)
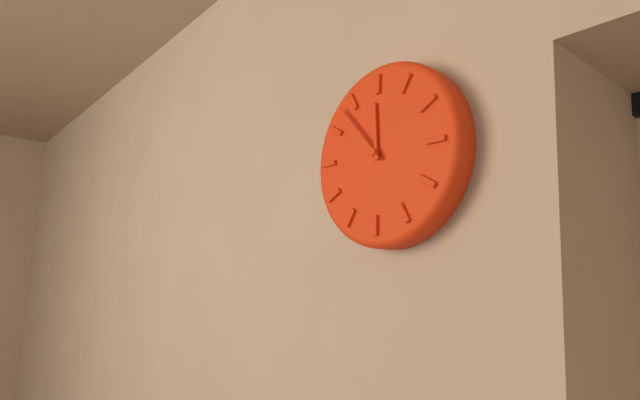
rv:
11h53
